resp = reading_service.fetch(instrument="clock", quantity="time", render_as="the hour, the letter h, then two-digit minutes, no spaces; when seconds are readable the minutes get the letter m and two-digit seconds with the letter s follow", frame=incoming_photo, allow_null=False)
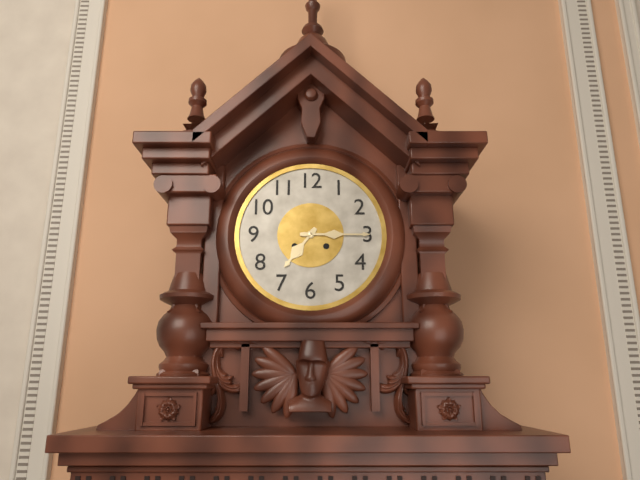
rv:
7h15
